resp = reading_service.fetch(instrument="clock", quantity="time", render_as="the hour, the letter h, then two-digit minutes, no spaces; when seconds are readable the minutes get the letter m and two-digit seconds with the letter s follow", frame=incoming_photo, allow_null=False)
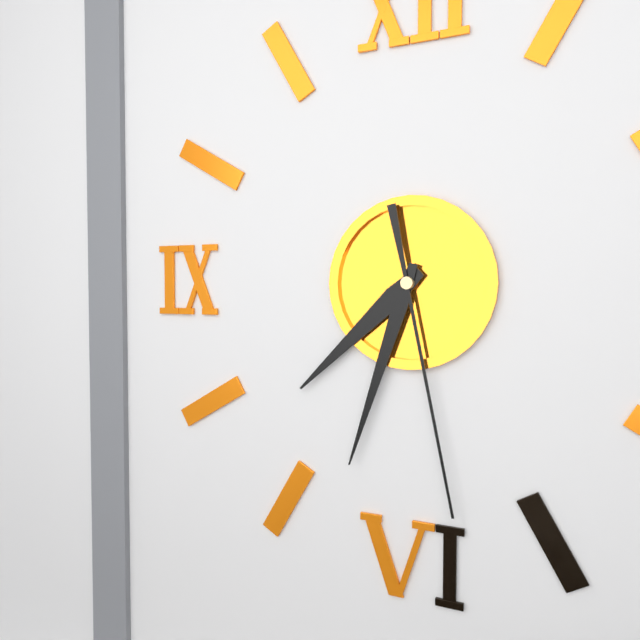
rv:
7h33m28s
